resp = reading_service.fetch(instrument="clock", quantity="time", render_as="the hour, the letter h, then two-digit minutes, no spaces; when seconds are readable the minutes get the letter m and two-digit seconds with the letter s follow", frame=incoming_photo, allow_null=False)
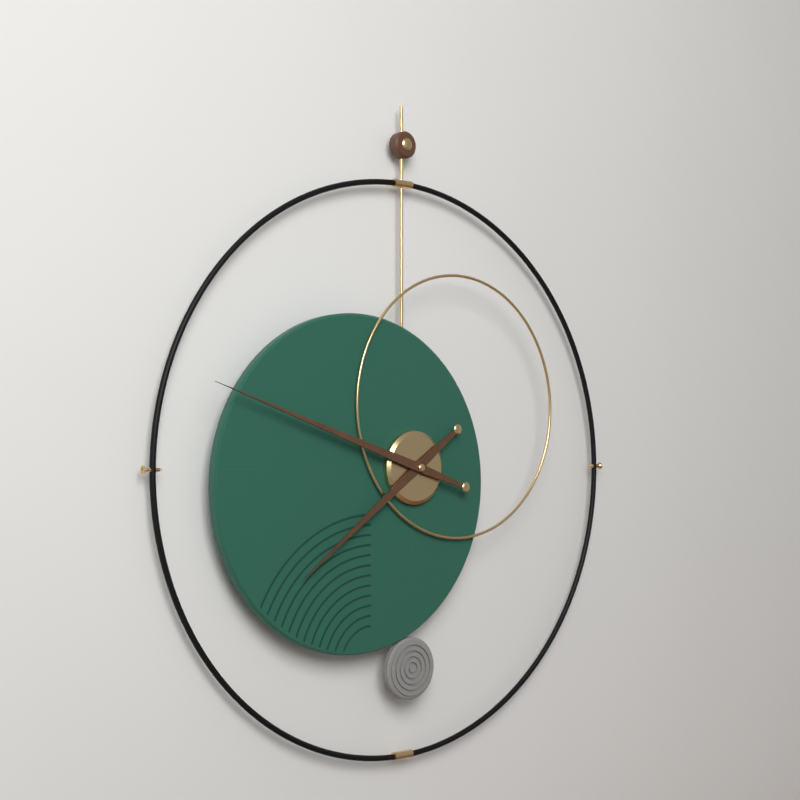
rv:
7h48
